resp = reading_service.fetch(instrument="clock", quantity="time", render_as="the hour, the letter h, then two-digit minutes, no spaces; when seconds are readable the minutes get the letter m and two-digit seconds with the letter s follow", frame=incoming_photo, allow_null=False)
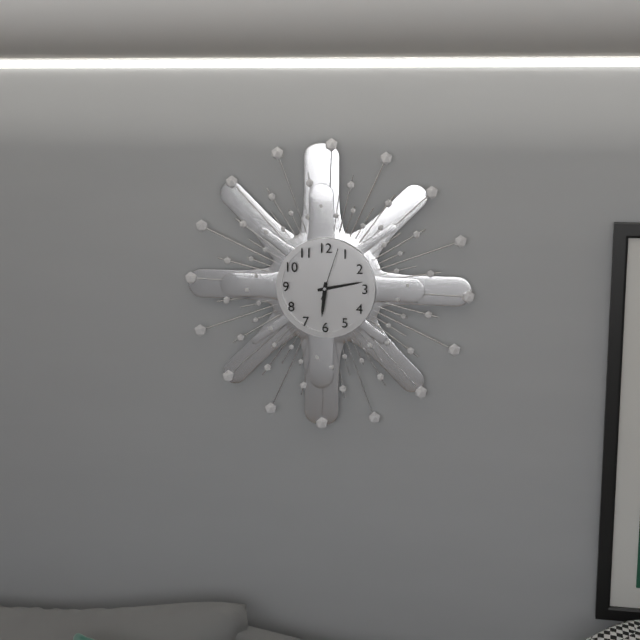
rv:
6h13m03s
